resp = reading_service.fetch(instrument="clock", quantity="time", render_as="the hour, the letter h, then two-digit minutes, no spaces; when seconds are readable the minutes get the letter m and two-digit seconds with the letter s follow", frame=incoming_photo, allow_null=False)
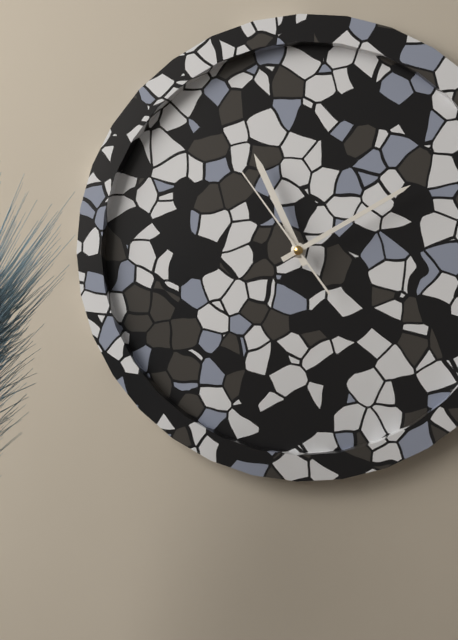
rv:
11h10m54s
